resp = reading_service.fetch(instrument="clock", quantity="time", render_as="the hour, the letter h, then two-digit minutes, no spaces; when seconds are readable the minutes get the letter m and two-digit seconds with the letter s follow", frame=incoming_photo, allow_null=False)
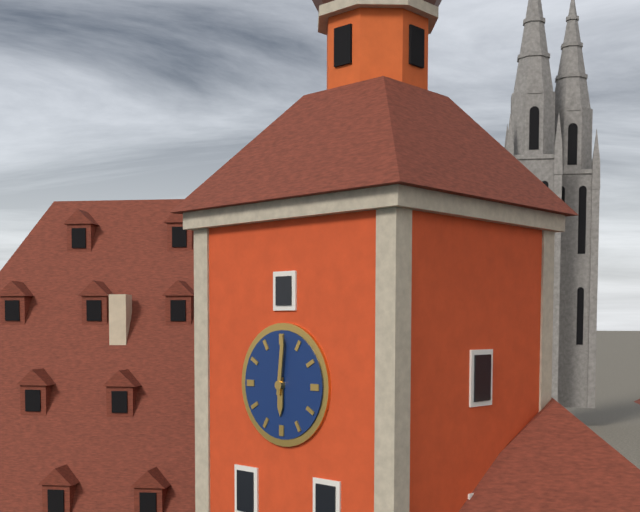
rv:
6h01
